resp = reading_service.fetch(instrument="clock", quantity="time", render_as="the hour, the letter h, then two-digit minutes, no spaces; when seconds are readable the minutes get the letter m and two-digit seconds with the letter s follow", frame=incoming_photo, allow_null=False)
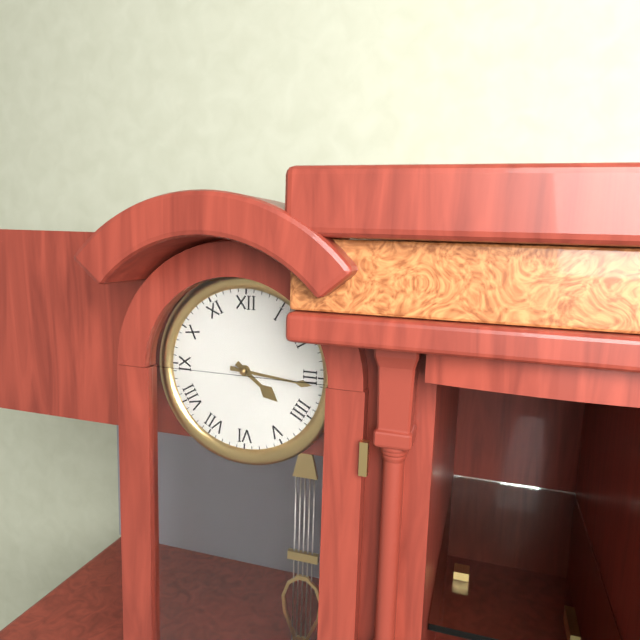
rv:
4h16
